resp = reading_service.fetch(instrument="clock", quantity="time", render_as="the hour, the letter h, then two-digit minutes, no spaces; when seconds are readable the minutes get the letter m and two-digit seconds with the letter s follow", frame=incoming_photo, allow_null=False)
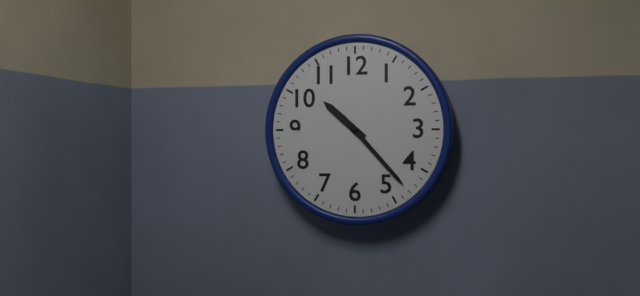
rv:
10h23
